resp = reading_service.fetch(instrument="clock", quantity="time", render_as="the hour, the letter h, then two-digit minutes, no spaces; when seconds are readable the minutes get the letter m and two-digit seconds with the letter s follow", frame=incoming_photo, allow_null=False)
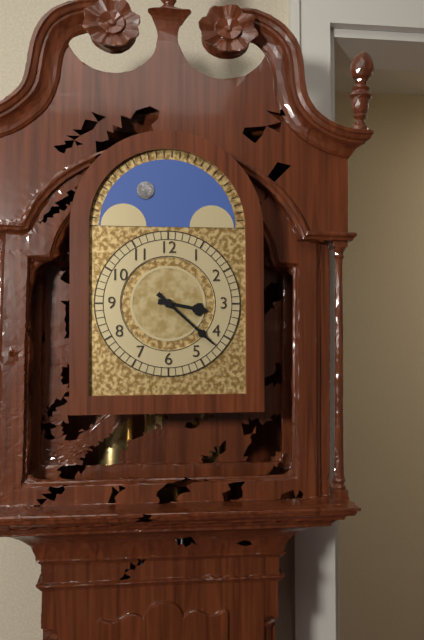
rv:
3h22
